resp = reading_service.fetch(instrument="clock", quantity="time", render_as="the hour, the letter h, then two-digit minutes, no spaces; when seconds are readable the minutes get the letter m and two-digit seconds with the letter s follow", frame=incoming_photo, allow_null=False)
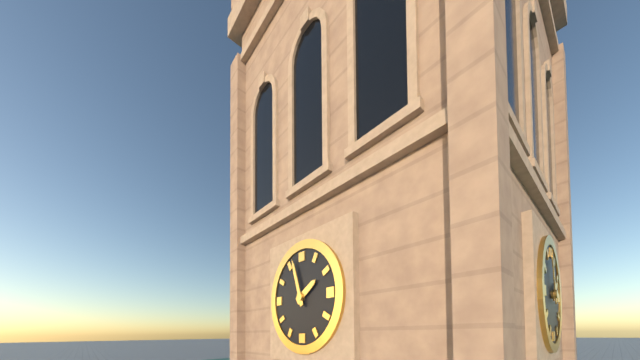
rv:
1h57
